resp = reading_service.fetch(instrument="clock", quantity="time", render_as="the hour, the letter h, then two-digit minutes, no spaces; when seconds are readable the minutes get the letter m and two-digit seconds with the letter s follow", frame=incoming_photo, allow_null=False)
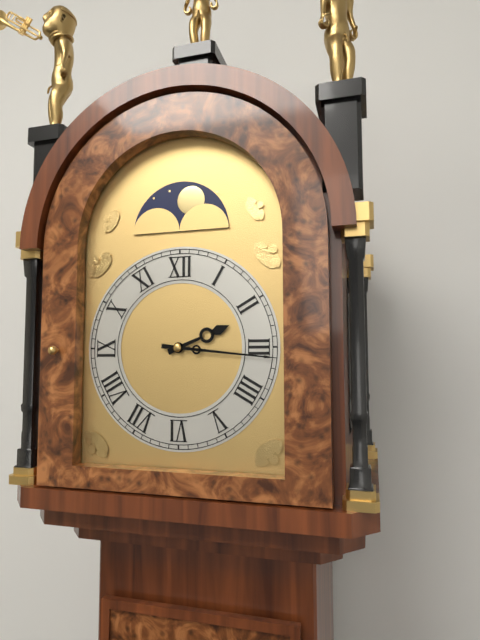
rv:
2h16
